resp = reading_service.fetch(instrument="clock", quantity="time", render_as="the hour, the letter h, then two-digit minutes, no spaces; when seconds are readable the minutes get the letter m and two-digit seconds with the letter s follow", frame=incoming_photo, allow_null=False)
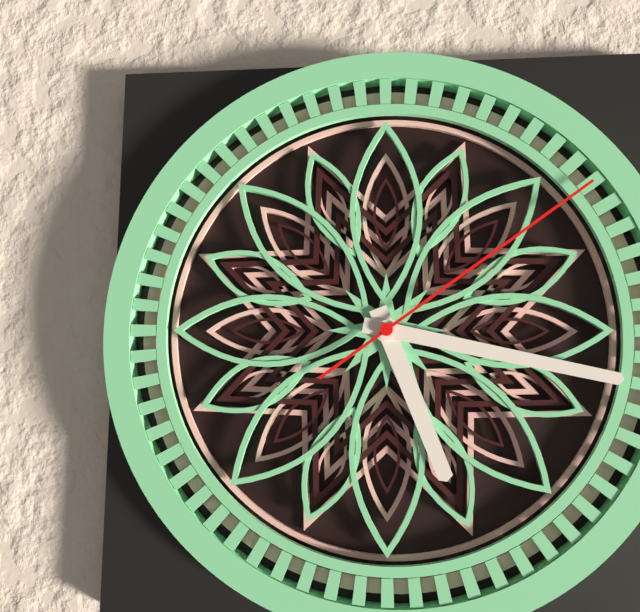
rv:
5h17m09s
